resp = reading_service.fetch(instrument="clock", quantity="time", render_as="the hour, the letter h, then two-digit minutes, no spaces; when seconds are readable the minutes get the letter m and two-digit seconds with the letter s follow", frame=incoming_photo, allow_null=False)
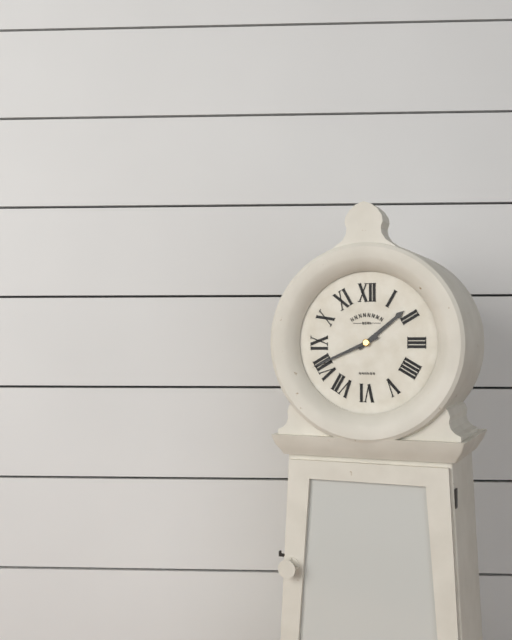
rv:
1h41
